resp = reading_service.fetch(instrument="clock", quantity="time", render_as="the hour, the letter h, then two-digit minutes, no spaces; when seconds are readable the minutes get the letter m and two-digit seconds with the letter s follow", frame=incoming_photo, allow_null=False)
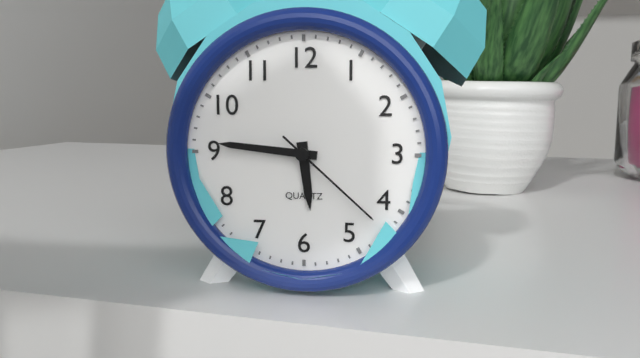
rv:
5h46m22s
